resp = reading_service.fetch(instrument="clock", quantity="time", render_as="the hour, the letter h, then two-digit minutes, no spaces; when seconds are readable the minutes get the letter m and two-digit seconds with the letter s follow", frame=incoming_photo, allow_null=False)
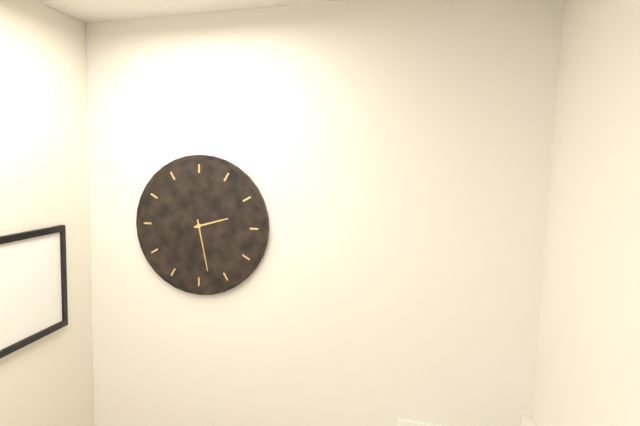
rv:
2h28
